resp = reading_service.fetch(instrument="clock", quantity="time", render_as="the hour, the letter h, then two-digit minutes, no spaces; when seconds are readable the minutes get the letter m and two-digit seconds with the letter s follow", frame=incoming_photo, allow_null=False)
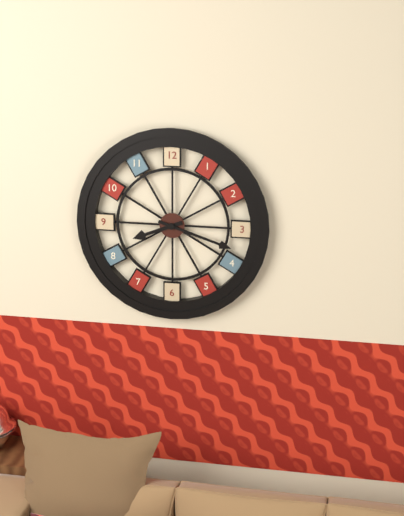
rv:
8h18
